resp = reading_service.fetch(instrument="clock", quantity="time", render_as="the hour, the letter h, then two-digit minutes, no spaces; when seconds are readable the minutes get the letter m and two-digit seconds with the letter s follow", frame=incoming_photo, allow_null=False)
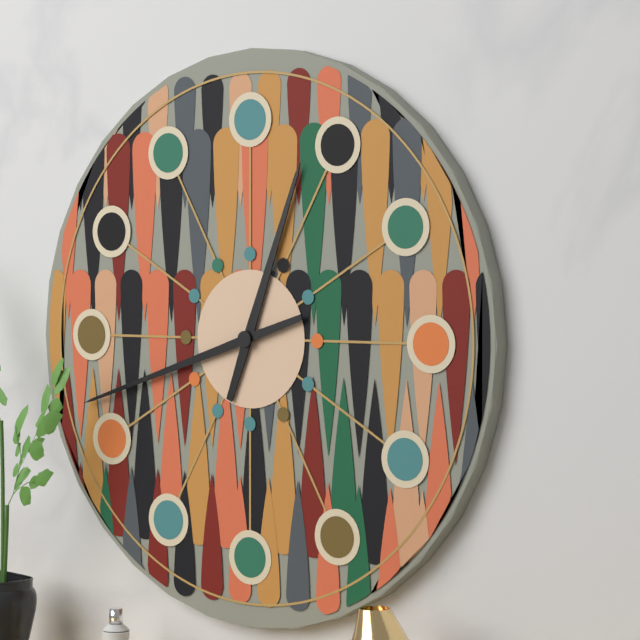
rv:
12h42
